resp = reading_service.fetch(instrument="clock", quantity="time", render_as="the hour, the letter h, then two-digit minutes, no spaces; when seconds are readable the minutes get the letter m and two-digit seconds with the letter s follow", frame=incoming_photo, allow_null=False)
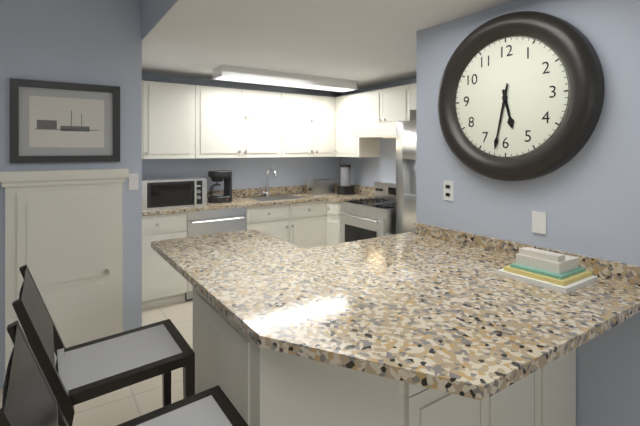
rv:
5h32
